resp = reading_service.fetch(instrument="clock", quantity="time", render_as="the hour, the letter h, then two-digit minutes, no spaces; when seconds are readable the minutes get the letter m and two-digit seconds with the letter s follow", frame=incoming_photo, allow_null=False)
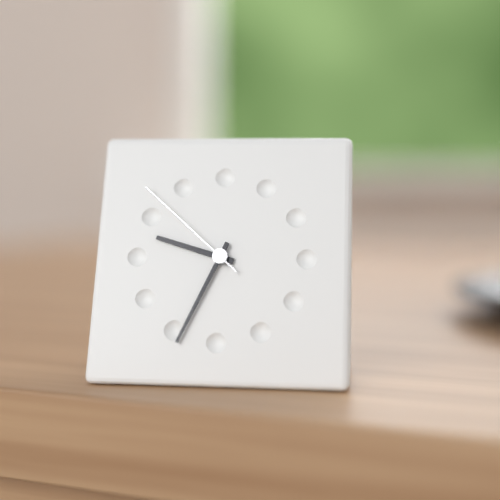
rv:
9h34m52s
